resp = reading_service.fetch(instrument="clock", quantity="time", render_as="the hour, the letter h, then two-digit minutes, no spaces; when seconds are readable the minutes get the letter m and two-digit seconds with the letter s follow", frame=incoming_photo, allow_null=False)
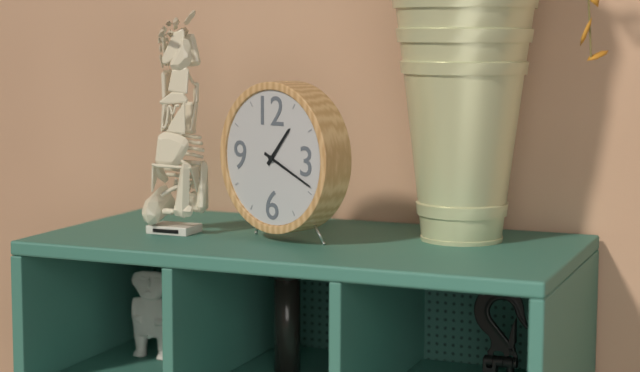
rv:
1h19
